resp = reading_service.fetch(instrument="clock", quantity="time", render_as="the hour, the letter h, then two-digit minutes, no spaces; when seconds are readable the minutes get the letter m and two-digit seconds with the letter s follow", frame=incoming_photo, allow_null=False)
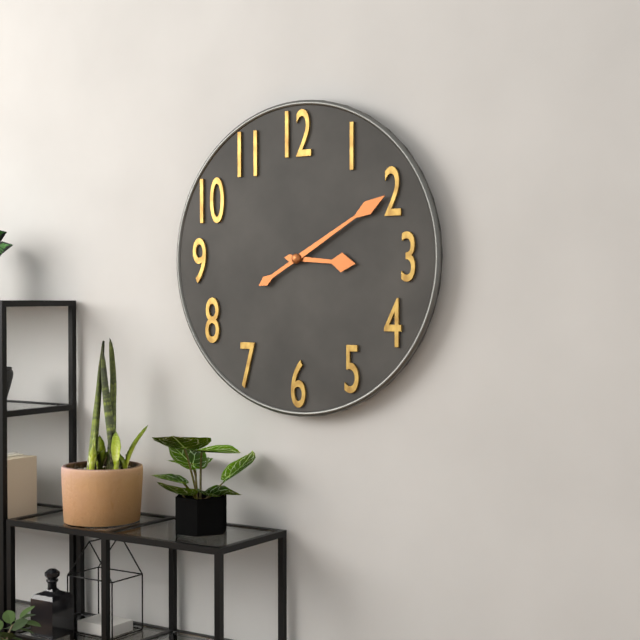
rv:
3h10
